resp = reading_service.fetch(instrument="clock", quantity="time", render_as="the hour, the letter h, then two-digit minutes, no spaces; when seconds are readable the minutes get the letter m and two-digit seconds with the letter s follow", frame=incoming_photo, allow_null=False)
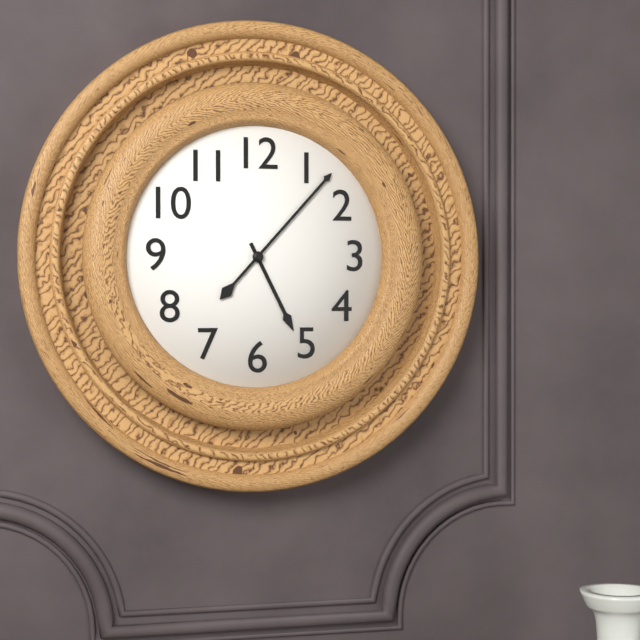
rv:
5h07
